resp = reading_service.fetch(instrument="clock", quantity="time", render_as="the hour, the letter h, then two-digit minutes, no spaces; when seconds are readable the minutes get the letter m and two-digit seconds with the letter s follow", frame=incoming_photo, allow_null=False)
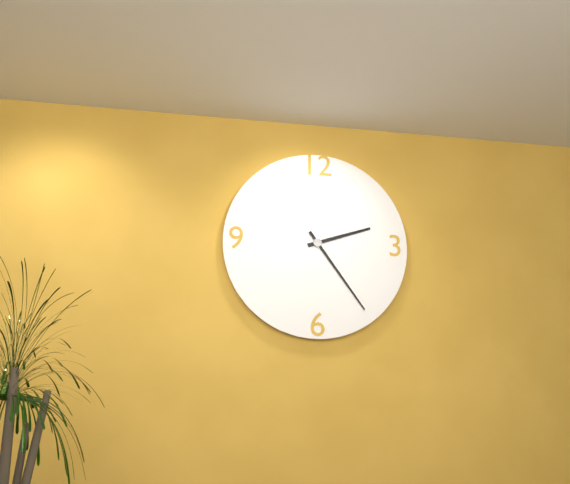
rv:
2h24
